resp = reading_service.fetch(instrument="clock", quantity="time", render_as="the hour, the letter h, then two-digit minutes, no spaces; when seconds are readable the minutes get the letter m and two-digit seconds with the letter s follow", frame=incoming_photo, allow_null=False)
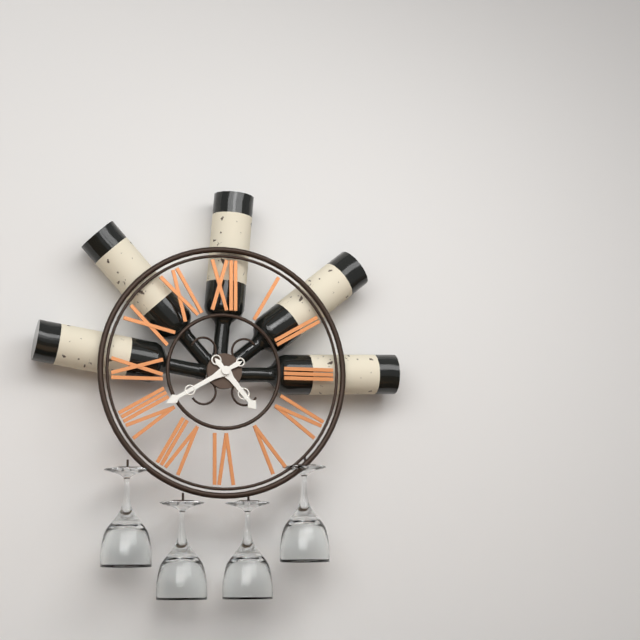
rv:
4h40
